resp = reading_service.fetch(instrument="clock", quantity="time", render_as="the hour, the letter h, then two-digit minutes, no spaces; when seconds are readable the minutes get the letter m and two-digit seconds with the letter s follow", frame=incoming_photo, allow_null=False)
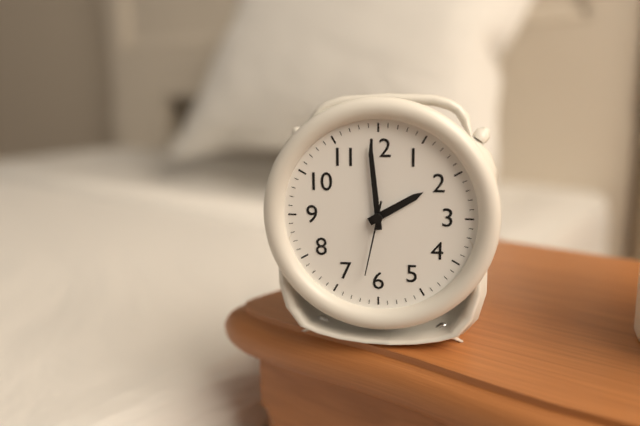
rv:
1h59m32s
